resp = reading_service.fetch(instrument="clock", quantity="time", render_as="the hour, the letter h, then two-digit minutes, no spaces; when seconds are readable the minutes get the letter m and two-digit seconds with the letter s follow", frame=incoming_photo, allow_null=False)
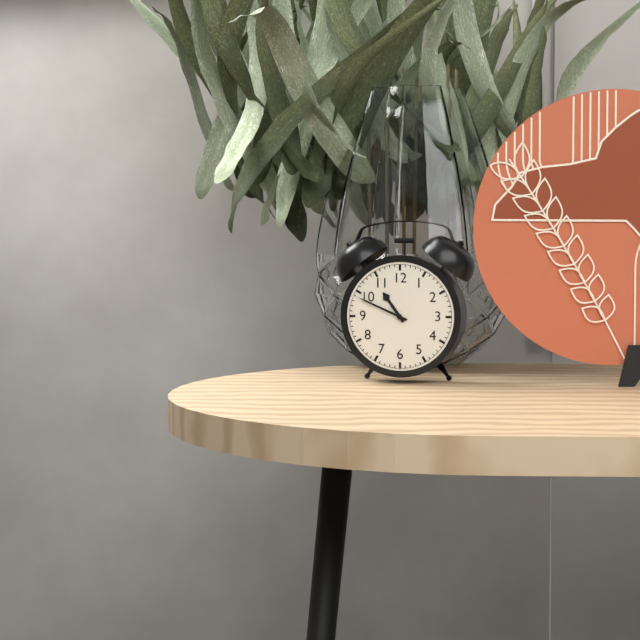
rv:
10h49
